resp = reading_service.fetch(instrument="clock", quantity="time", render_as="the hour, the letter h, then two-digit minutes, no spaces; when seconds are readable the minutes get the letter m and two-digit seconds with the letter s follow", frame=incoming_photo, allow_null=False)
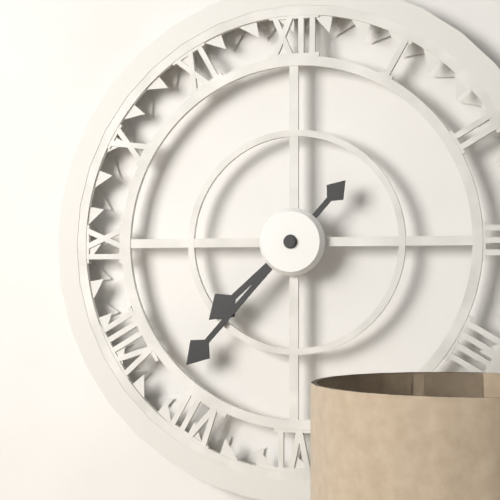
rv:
7h37
